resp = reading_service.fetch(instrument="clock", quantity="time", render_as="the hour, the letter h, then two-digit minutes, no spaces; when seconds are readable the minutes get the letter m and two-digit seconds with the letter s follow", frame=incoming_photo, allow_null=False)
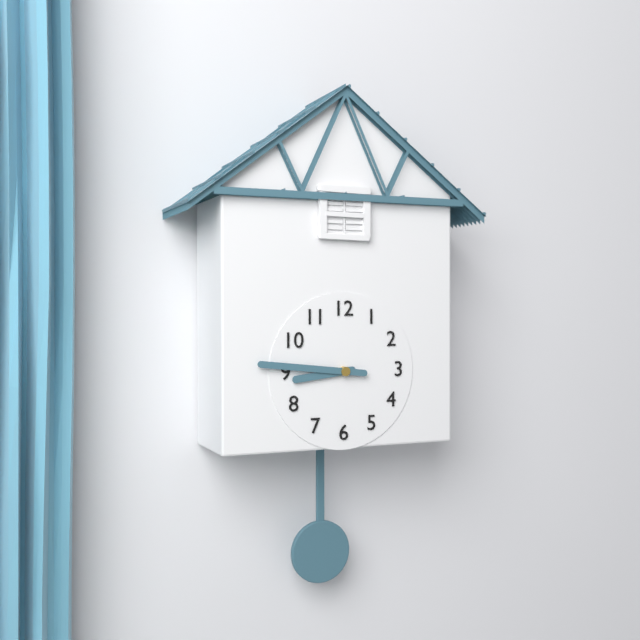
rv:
8h46
